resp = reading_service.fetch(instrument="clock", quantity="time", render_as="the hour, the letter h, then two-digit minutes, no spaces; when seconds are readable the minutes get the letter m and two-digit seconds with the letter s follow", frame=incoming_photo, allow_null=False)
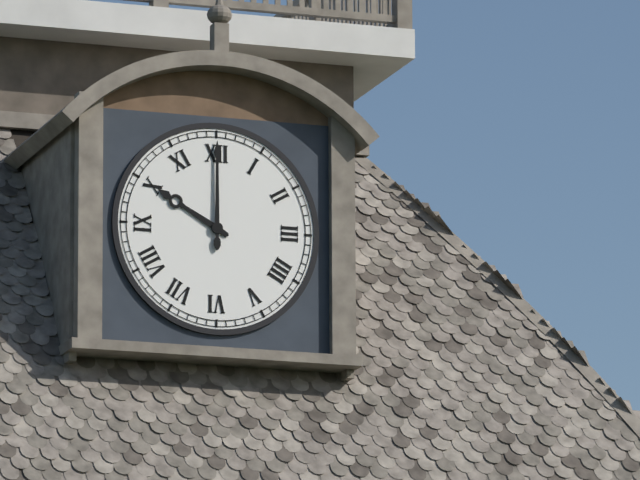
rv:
10h00
